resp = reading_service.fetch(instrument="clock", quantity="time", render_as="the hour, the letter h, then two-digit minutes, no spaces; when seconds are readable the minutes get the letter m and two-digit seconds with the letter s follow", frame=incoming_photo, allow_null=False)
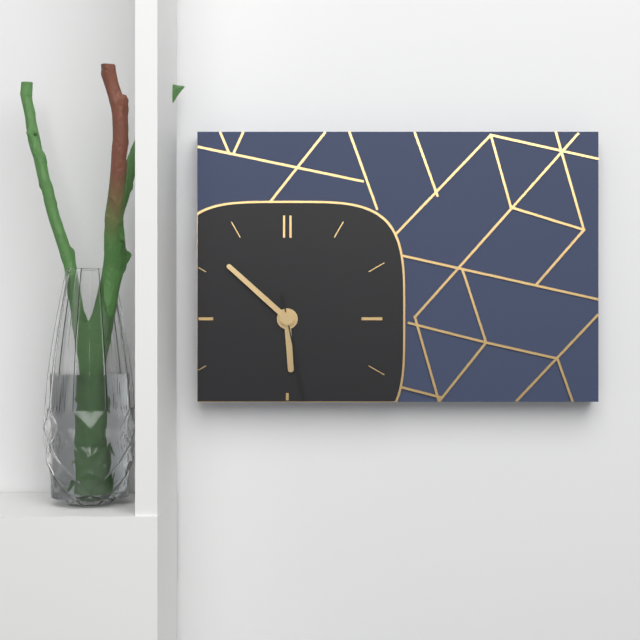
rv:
5h52m28s
